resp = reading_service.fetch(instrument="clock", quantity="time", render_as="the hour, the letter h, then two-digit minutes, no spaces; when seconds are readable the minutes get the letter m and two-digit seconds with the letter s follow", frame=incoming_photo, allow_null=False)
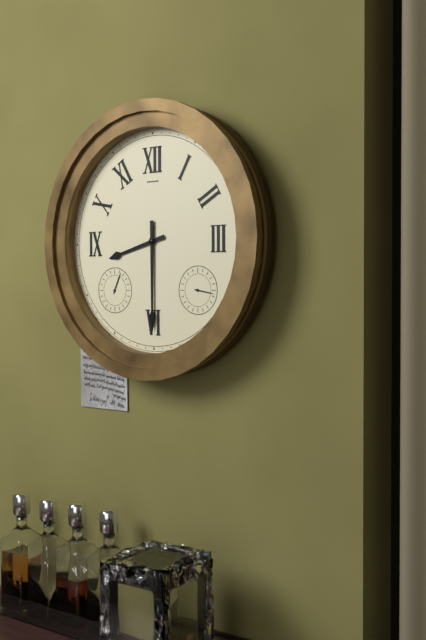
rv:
8h30
